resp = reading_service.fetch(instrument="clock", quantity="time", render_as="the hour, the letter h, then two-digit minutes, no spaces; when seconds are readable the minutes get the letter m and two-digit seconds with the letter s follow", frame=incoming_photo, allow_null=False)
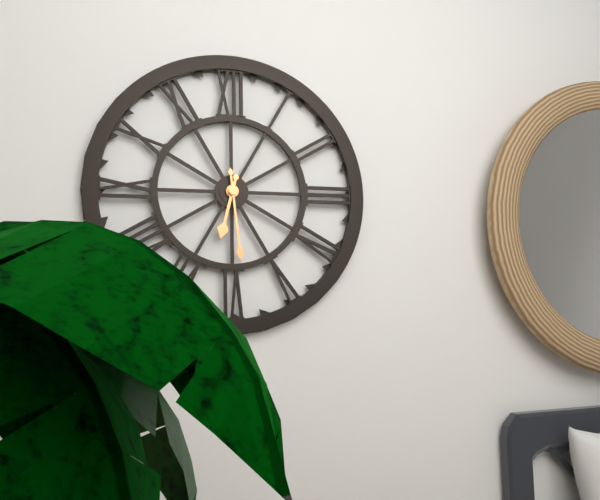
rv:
6h29
